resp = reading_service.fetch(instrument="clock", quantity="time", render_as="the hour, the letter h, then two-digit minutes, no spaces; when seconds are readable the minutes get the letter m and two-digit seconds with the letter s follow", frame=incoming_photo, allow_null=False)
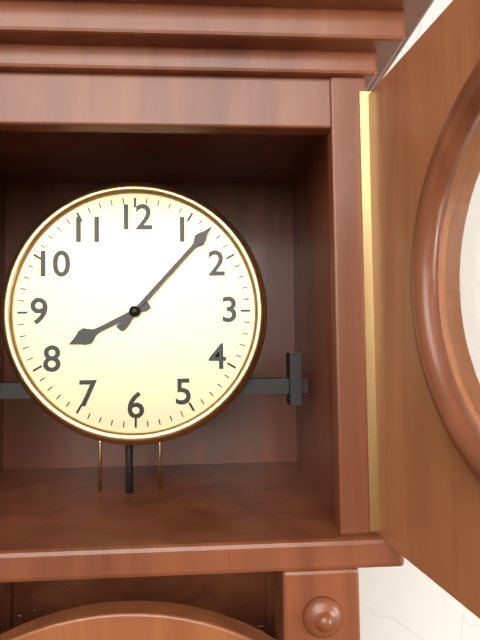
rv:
8h07
